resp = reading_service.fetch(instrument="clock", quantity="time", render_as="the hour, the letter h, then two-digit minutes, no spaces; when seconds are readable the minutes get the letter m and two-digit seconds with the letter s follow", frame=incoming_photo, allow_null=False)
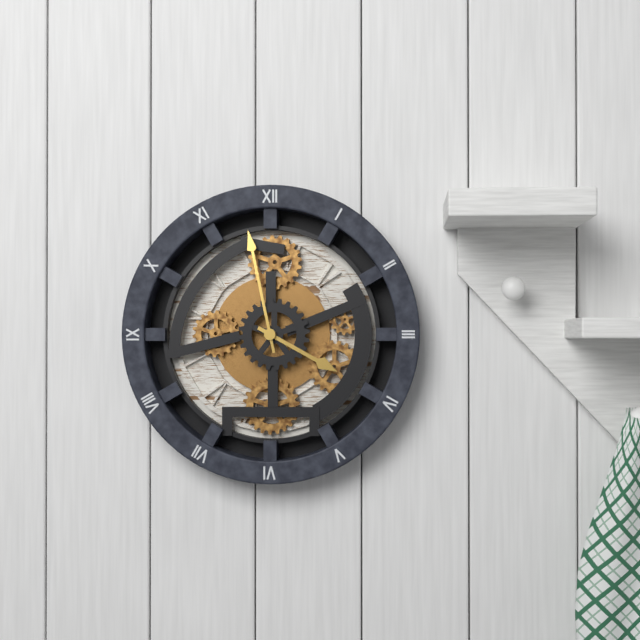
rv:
3h58
